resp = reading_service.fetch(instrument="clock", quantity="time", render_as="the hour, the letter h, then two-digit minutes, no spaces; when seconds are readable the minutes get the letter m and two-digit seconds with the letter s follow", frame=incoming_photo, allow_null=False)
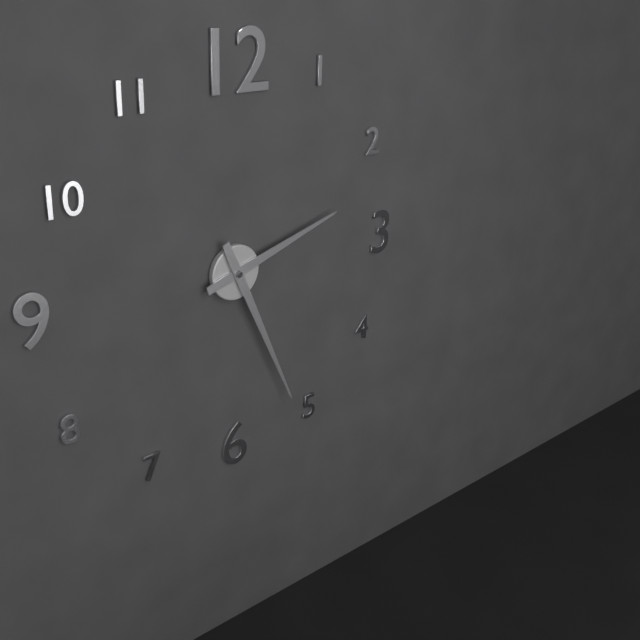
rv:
2h26
